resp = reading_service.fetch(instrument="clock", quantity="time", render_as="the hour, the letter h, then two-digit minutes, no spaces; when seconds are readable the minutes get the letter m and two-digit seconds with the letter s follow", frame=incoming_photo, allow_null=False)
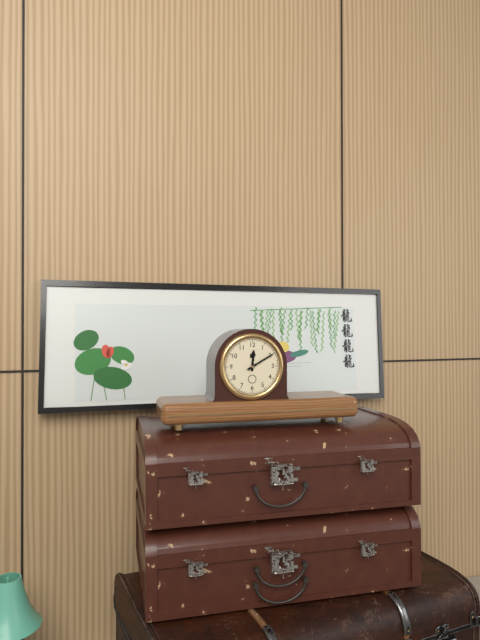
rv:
12h10
